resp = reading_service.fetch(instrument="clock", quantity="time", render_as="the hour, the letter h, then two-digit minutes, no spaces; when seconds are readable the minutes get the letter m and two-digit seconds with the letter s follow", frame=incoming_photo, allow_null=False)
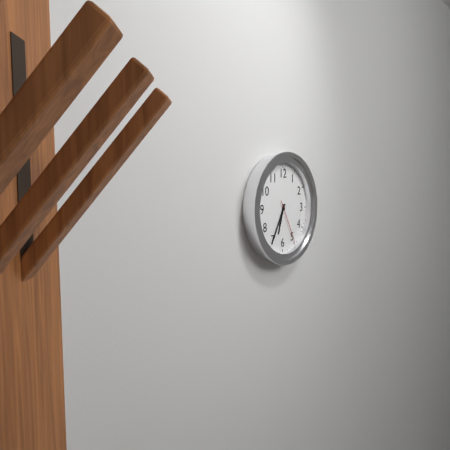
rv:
6h35
